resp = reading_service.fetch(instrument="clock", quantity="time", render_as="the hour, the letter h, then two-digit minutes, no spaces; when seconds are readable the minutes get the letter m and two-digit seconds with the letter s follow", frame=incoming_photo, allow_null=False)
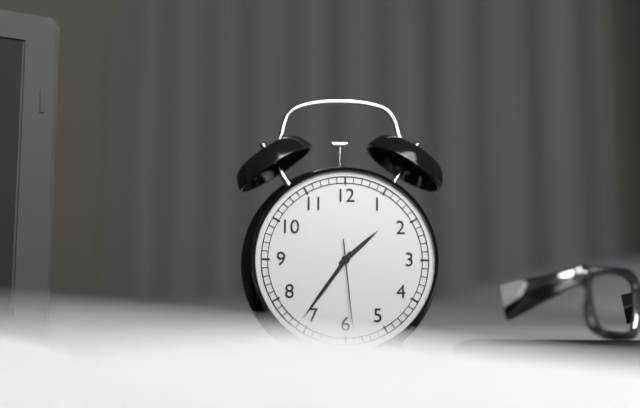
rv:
1h36m29s
